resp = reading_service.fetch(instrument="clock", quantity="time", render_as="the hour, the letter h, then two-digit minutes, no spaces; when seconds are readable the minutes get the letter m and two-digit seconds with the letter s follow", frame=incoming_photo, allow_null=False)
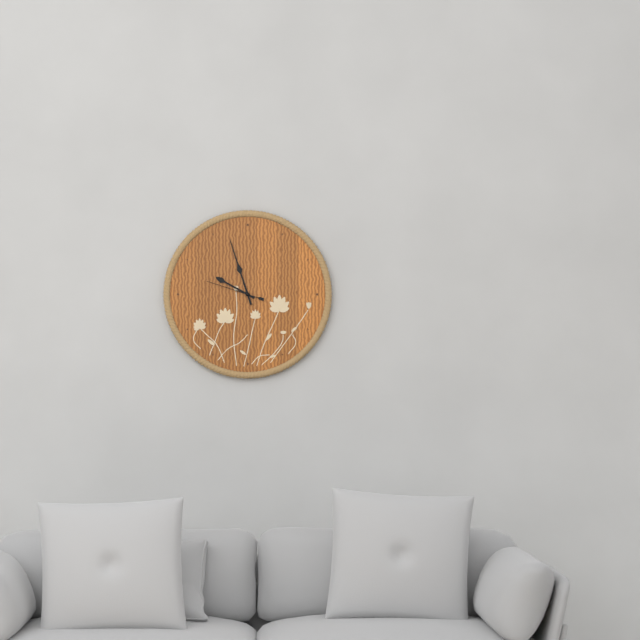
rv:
9h57m48s
